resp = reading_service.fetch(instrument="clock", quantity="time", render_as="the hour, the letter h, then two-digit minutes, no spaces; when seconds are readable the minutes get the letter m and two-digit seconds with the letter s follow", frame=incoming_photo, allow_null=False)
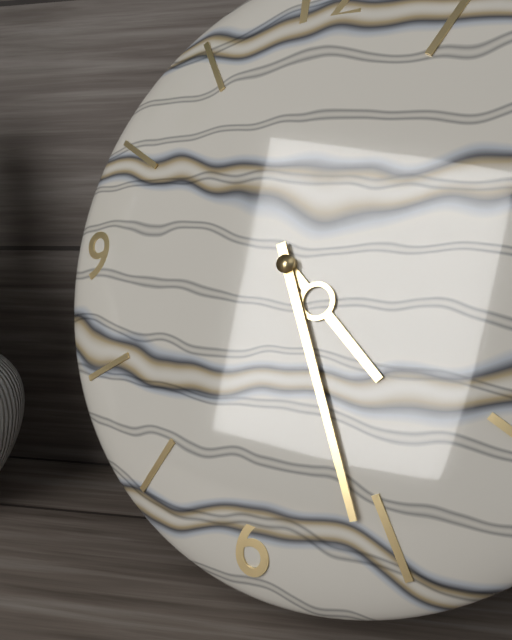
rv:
4h26
